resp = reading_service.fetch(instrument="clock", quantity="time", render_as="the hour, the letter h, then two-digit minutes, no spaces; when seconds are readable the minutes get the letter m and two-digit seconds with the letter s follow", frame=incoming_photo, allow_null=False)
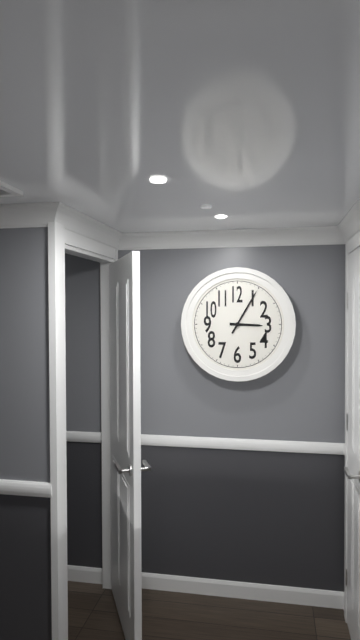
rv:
3h05
